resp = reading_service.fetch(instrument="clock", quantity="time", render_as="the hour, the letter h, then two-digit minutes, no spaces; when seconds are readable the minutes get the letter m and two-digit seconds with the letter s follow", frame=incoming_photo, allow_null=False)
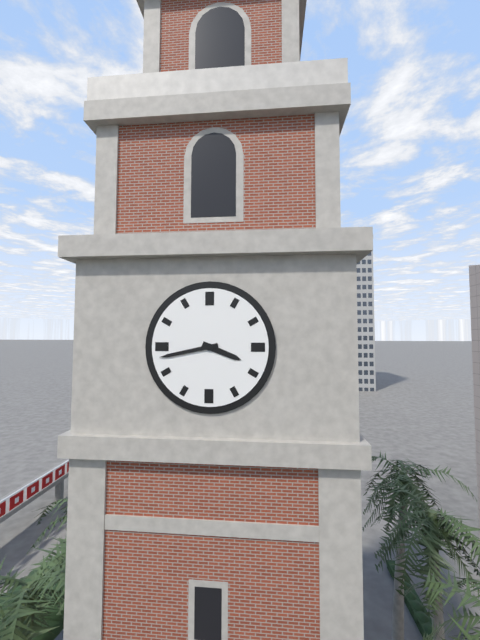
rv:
3h43
